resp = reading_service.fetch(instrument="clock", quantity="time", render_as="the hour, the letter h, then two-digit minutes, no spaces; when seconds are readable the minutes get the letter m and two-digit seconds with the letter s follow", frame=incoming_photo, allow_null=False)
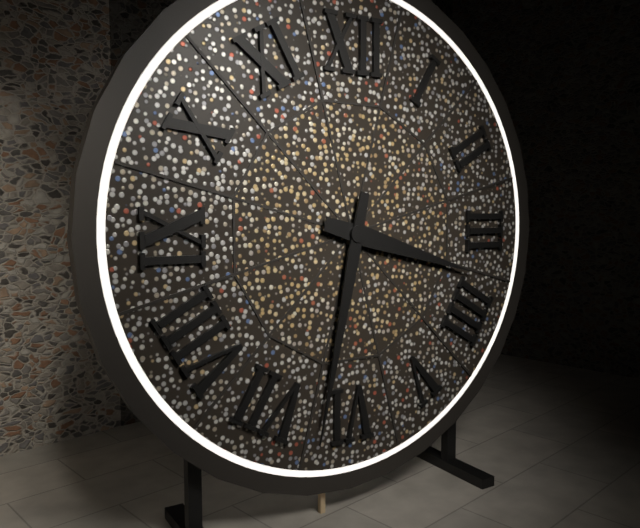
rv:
3h32
